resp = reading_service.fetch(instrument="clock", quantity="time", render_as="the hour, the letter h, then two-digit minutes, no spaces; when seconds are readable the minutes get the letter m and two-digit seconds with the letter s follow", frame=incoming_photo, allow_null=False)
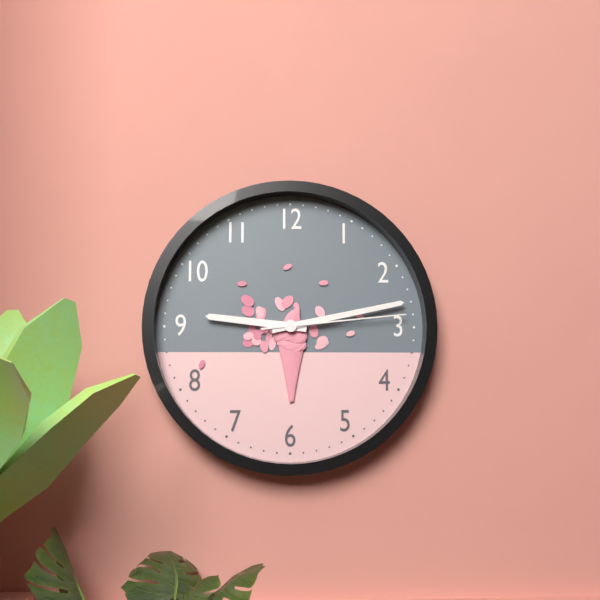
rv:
9h13m14s
